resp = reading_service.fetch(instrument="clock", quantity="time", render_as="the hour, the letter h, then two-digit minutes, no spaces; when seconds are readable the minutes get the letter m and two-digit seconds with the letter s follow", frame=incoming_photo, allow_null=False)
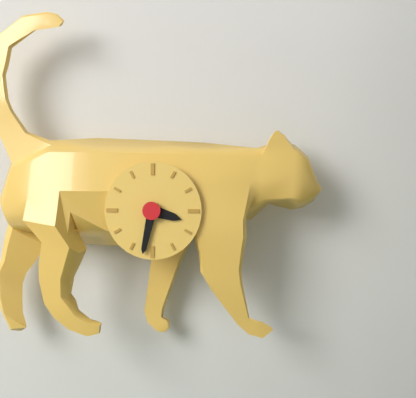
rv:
3h32
